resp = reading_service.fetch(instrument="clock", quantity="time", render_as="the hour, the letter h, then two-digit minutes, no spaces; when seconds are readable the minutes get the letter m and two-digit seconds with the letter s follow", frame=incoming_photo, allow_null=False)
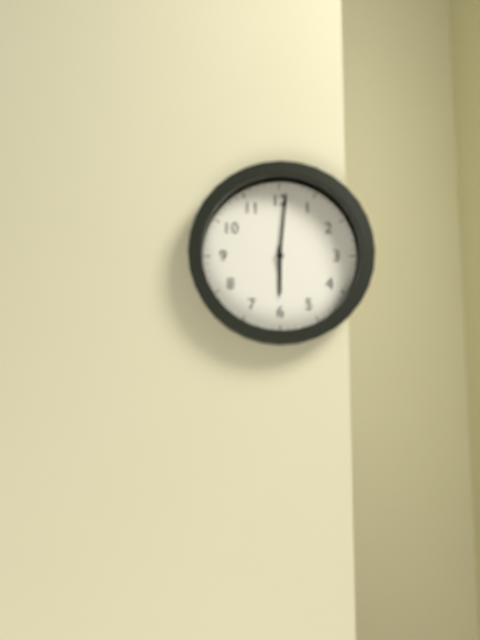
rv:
6h01
